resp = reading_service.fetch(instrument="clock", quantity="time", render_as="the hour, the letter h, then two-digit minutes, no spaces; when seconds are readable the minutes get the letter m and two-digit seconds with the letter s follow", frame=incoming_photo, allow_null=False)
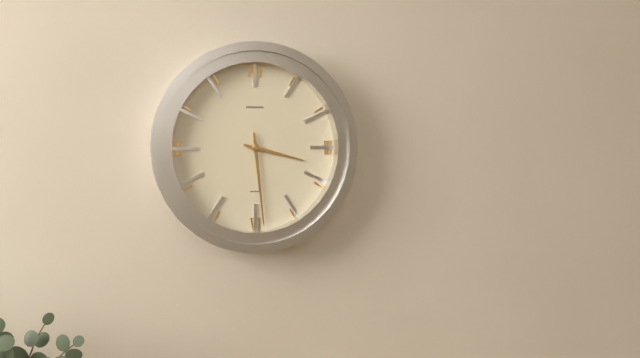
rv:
3h29
